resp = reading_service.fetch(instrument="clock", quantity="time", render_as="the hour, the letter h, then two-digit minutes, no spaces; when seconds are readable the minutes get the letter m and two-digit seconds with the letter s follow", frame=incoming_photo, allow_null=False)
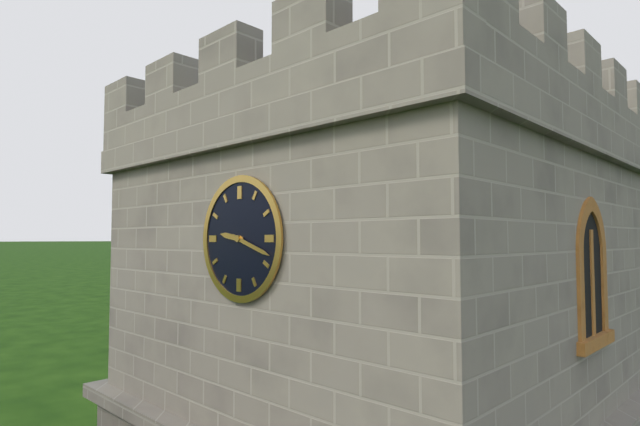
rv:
9h18
